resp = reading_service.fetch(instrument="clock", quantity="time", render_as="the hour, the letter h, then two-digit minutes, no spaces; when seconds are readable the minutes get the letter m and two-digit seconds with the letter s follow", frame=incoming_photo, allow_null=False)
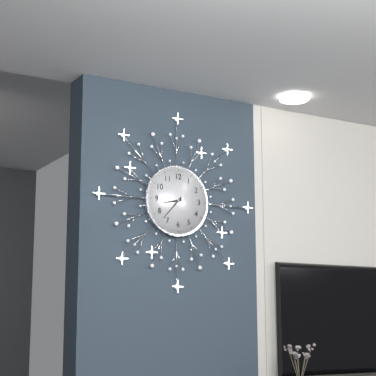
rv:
8h37
